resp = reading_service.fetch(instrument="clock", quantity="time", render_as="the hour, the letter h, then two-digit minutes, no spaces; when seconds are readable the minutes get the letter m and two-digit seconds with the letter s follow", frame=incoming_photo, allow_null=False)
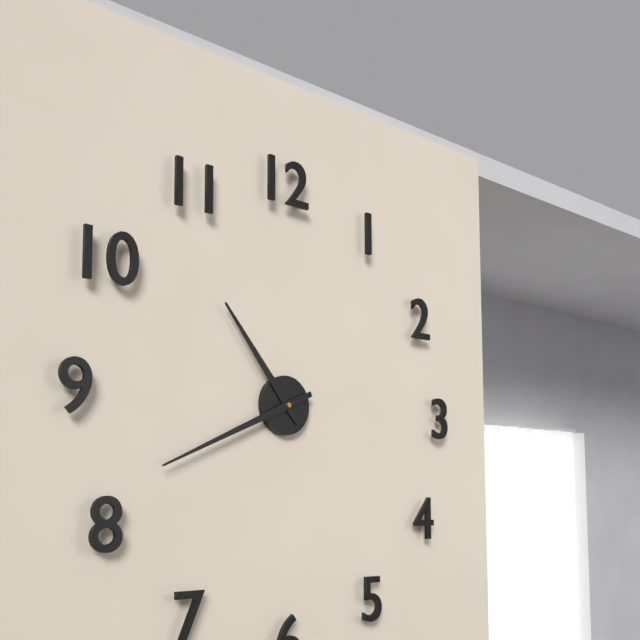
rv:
10h41
